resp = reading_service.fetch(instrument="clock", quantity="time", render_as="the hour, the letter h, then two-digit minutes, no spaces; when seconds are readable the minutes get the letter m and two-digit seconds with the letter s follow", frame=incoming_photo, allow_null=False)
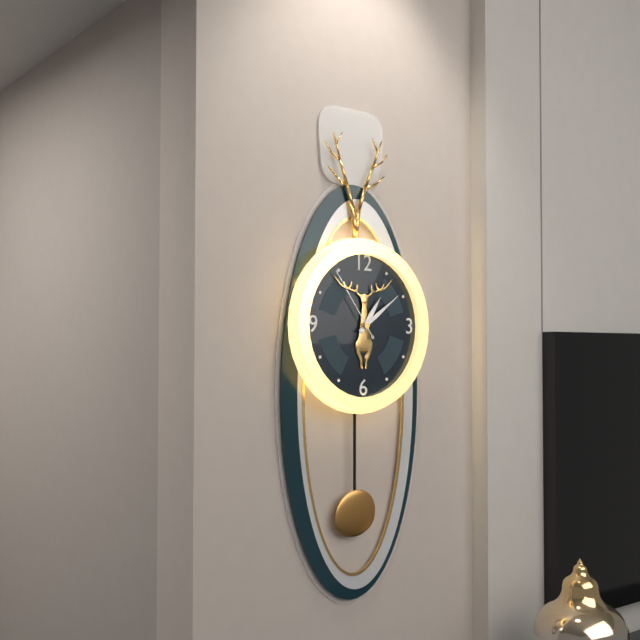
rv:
1h09m54s
